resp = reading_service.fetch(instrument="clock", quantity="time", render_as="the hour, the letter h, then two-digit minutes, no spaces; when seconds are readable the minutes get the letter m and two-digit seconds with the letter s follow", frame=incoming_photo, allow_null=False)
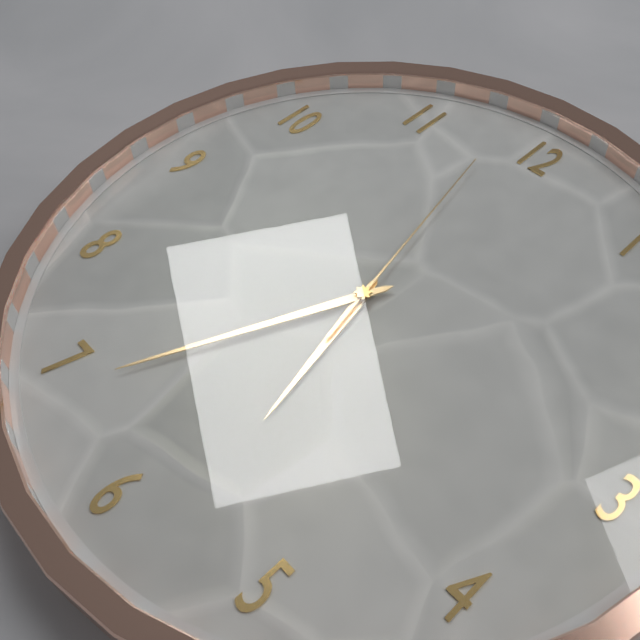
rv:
5h34m58s
